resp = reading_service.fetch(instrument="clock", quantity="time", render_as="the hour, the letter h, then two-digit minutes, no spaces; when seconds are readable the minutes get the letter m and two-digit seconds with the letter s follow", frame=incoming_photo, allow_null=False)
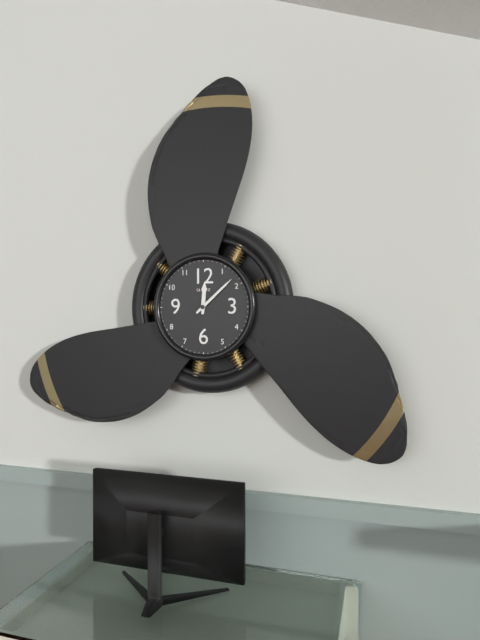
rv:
12h08
